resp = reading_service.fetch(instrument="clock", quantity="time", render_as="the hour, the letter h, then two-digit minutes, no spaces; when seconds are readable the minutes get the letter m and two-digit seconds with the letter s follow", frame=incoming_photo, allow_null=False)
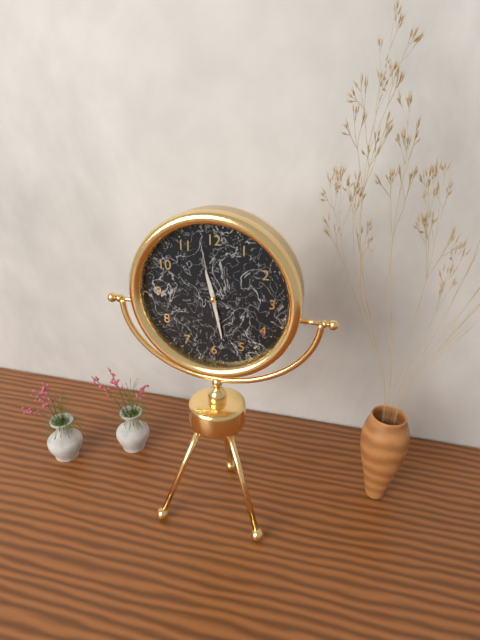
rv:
11h28m58s
